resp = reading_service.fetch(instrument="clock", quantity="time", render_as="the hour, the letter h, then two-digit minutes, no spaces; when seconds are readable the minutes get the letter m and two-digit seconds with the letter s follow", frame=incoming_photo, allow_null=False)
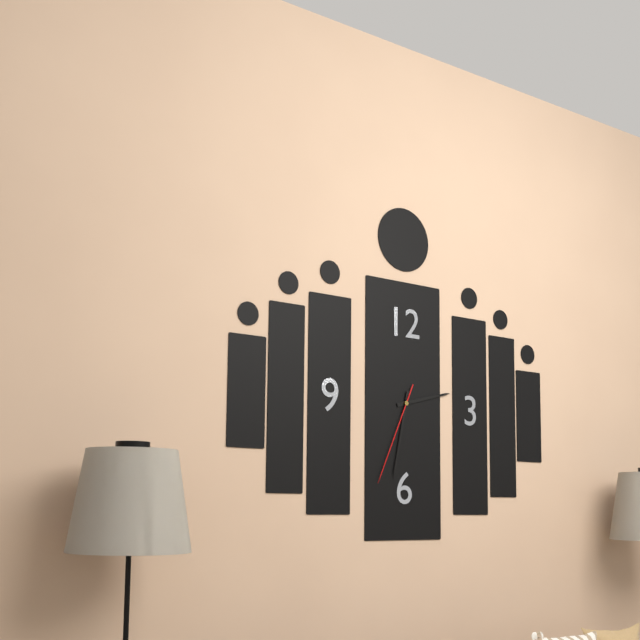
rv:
2h32m34s
